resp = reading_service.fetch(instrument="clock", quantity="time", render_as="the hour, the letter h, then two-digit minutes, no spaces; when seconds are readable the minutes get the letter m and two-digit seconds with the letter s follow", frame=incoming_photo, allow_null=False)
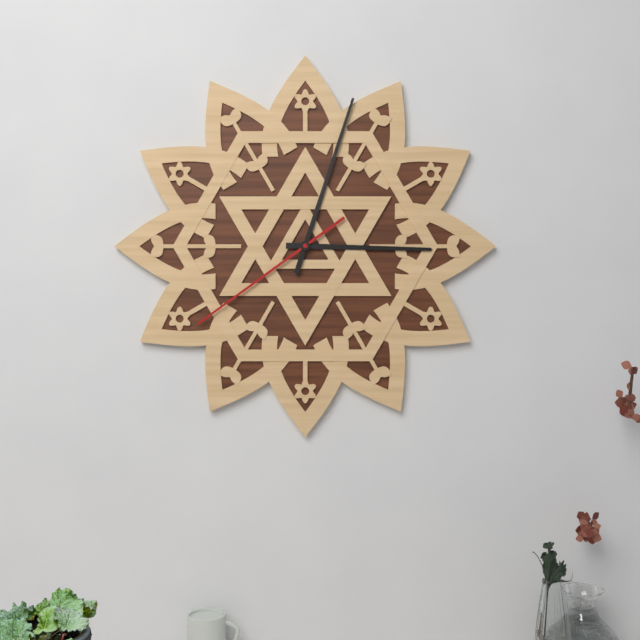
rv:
3h03m39s
